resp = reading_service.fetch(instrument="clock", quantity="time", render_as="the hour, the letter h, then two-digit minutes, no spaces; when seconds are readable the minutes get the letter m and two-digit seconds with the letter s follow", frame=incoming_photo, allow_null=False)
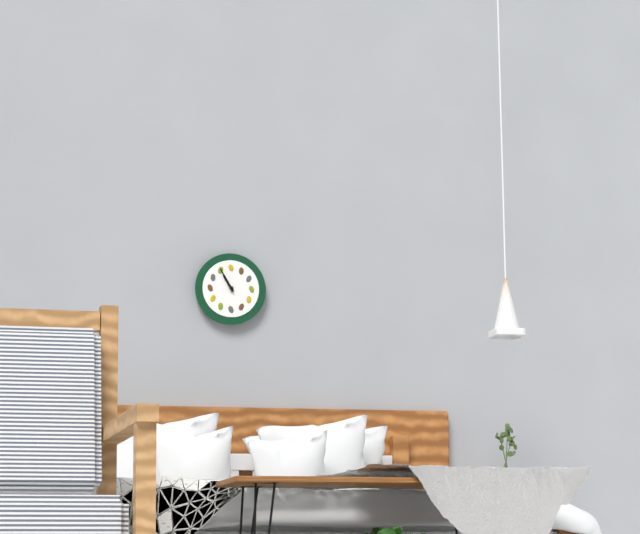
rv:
10h55
